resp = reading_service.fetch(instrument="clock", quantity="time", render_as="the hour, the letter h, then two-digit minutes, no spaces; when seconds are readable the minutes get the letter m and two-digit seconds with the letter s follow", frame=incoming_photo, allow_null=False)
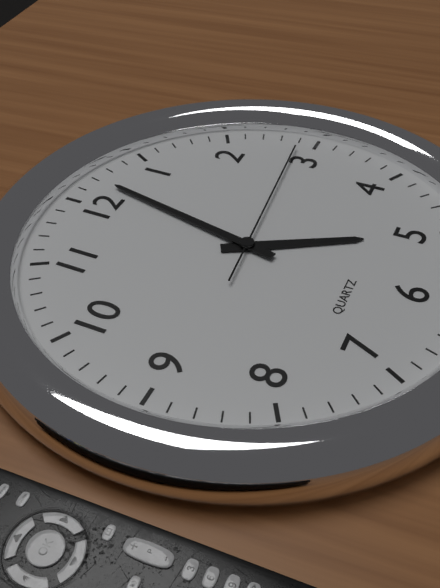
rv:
5h02m14s
